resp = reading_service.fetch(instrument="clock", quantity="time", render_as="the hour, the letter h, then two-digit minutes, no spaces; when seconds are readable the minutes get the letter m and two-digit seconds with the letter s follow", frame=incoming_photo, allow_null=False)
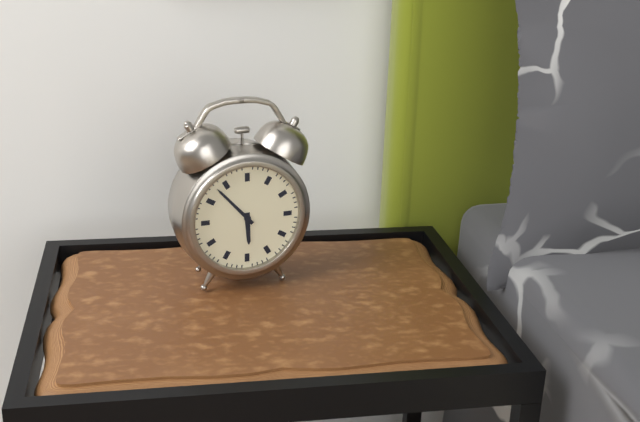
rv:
5h53
